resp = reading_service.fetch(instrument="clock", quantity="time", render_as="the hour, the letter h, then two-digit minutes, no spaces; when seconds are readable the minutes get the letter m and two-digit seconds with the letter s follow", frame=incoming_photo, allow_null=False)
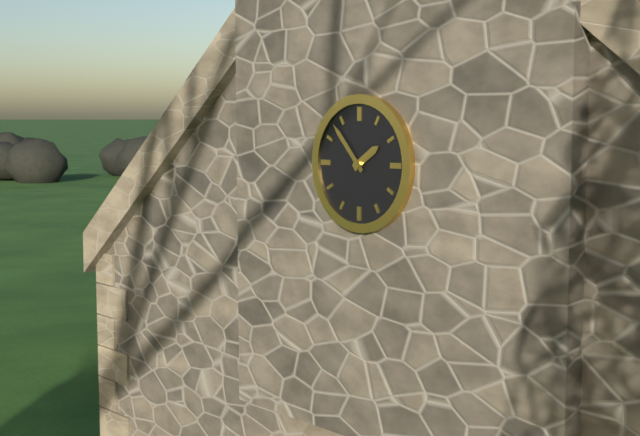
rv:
1h53
